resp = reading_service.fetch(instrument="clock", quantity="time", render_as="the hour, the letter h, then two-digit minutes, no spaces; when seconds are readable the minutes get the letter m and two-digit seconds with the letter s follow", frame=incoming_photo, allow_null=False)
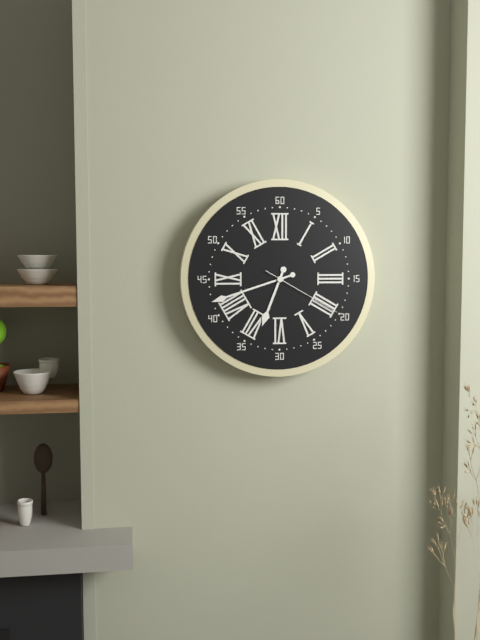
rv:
6h42m20s
